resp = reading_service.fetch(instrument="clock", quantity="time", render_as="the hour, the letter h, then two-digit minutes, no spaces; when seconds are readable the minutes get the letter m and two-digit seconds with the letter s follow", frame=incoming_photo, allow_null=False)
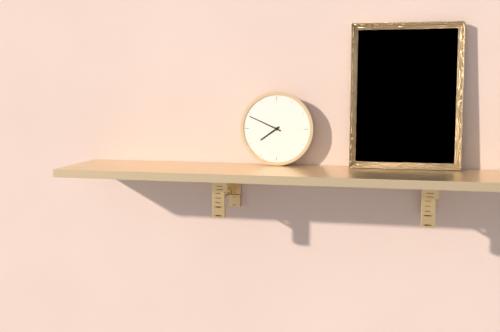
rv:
7h49
